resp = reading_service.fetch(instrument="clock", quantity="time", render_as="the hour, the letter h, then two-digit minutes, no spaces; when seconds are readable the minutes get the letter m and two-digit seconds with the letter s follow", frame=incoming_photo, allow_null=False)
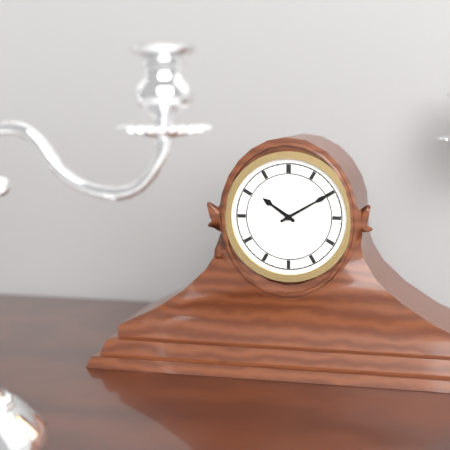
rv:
10h10
